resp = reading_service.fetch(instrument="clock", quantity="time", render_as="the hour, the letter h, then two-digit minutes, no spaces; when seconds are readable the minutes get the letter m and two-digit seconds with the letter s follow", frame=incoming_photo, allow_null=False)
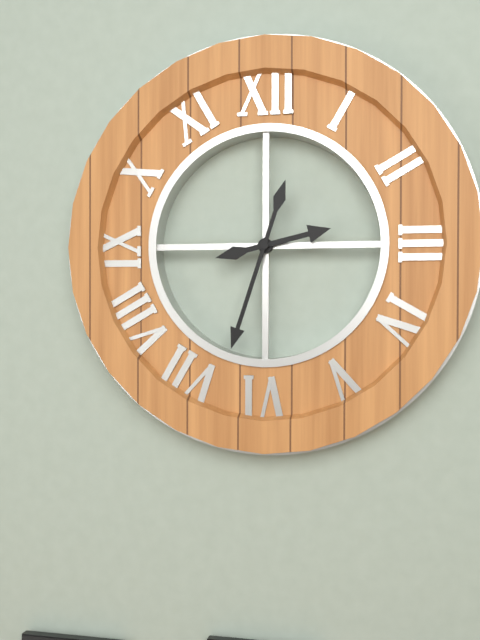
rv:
2h33
